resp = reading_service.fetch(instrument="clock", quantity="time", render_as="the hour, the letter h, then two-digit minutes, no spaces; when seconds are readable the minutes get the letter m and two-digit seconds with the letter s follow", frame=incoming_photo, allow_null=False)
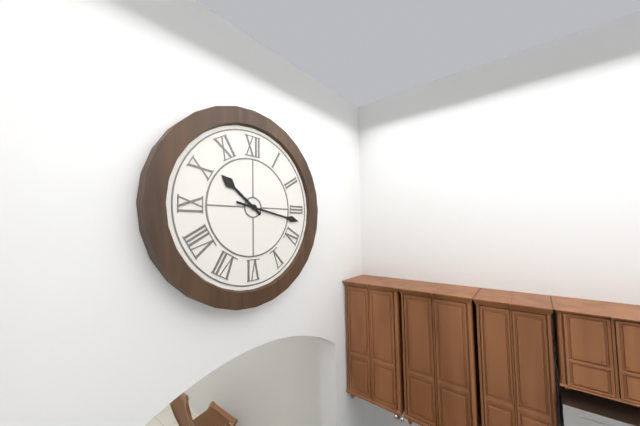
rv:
10h17
